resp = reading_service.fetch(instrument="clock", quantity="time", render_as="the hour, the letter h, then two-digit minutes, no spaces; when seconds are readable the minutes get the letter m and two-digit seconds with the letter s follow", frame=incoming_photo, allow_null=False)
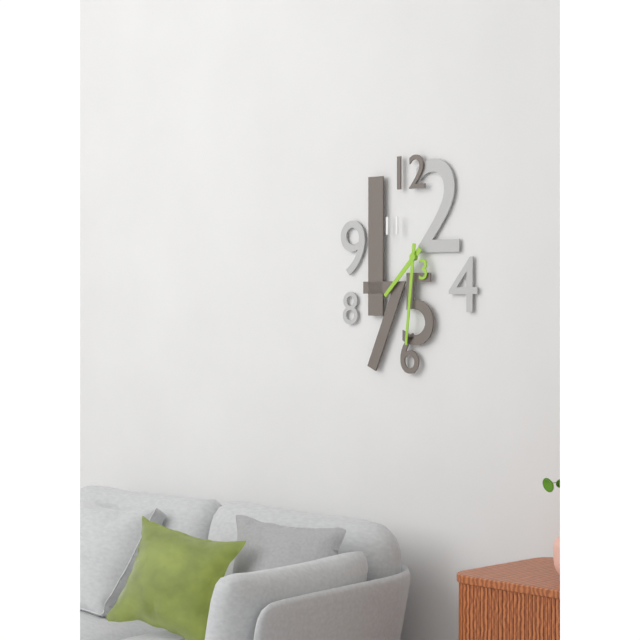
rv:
7h31
